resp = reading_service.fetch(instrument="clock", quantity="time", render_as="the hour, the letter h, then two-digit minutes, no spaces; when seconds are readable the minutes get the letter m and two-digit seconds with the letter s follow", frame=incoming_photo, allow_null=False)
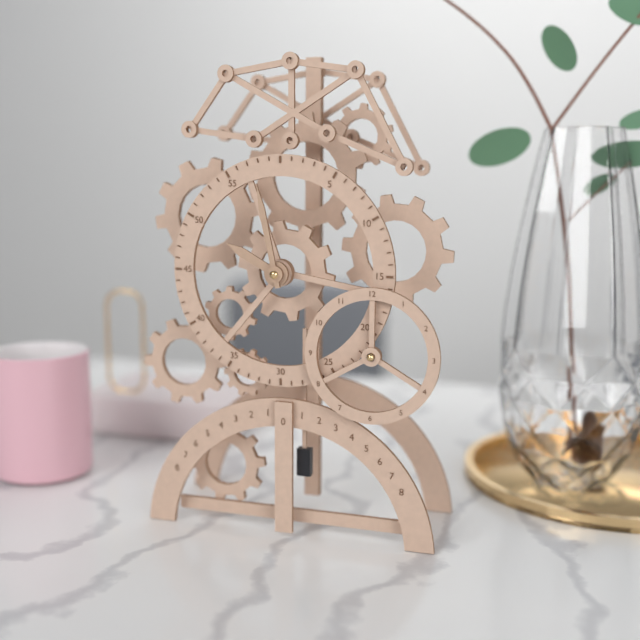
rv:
9h58
